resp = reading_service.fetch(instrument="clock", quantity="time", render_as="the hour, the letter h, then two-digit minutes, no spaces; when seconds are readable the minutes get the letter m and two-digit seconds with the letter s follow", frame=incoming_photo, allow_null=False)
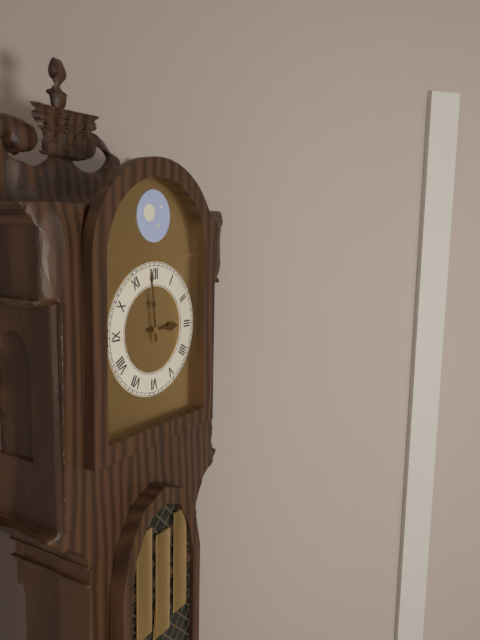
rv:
2h59
